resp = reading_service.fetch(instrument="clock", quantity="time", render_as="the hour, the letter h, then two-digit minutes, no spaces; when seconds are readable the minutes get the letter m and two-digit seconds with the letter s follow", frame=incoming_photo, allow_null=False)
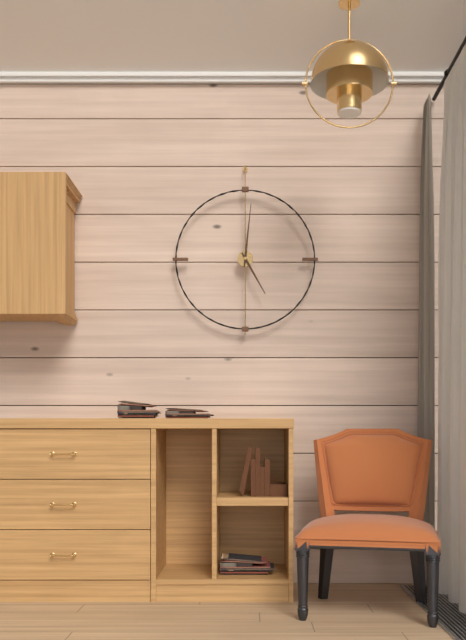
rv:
5h01
